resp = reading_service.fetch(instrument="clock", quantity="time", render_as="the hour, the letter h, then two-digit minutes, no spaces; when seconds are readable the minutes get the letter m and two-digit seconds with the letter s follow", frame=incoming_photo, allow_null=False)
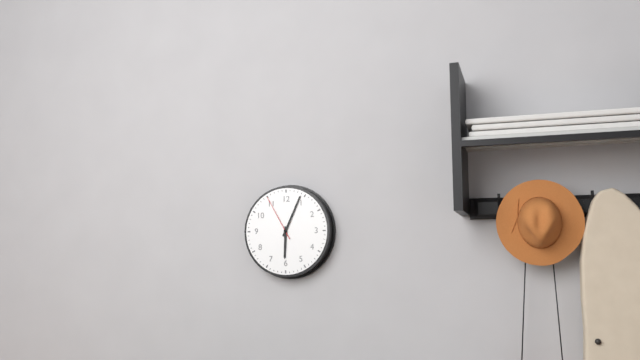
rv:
6h04
